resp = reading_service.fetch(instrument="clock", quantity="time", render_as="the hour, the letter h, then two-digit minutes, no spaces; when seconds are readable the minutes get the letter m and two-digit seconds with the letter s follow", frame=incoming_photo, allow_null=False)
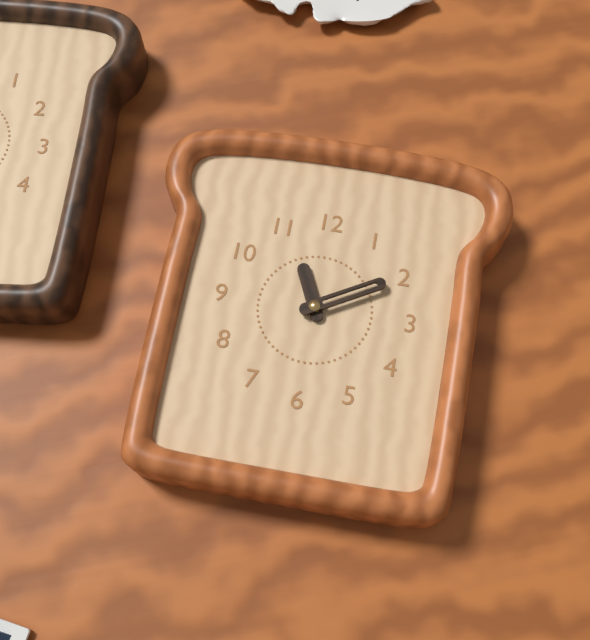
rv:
11h10
